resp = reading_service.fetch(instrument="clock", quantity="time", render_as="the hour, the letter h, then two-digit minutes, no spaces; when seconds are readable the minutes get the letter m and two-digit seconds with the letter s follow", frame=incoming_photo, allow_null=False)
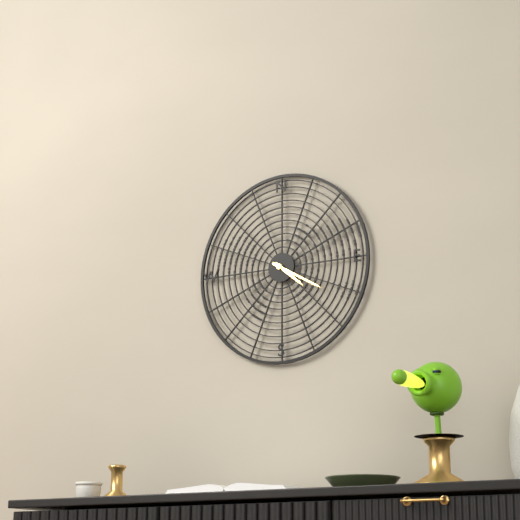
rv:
4h20
